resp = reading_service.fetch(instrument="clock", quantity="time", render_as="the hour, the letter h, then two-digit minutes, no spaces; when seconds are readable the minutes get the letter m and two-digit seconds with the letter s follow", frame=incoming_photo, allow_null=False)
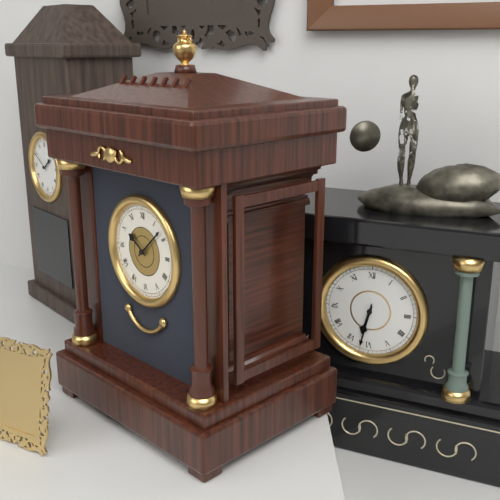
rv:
10h08
